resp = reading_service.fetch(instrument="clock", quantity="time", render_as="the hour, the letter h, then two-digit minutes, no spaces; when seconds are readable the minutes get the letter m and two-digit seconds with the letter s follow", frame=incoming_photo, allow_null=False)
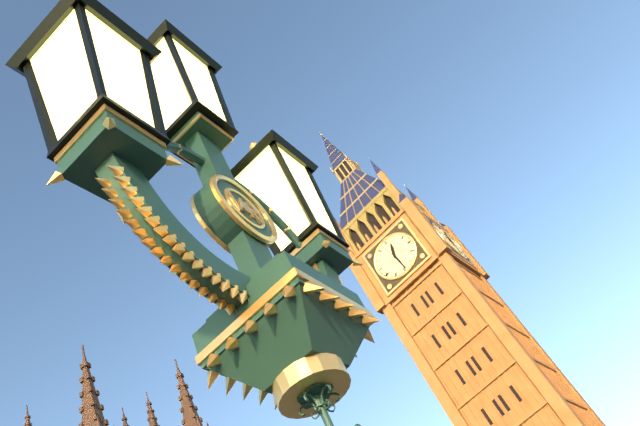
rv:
12h29
